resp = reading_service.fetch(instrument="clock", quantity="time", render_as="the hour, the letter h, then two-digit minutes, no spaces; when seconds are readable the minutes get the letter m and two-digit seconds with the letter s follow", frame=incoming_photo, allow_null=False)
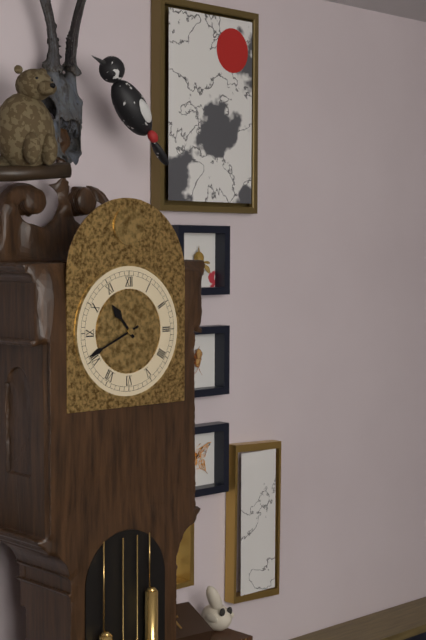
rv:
10h41
